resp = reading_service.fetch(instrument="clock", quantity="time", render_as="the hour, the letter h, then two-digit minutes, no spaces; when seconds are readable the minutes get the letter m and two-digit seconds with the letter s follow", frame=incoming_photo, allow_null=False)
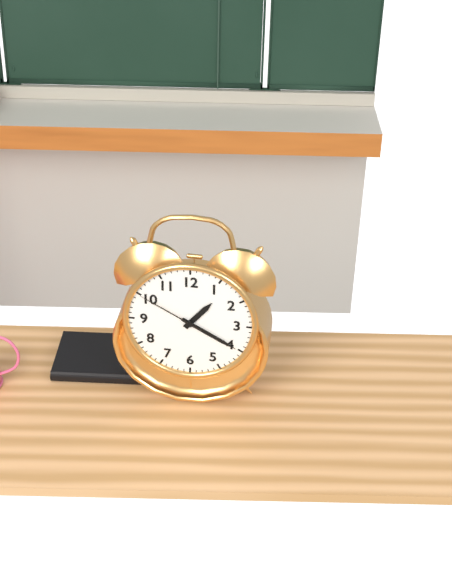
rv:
1h20m50s
